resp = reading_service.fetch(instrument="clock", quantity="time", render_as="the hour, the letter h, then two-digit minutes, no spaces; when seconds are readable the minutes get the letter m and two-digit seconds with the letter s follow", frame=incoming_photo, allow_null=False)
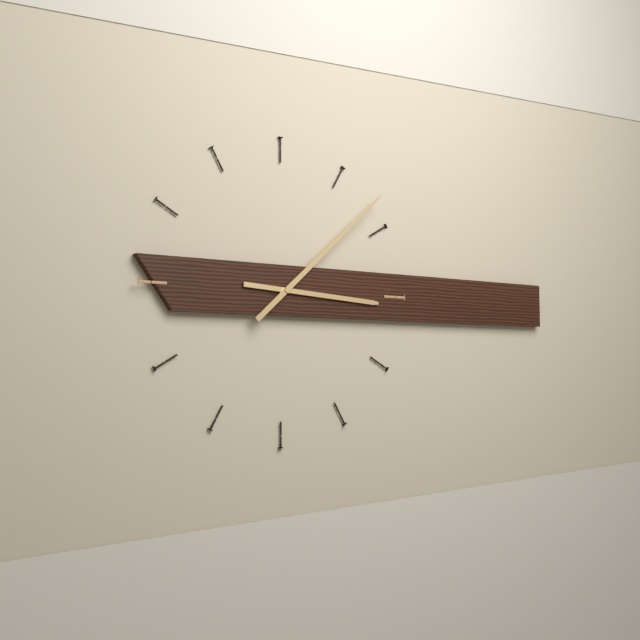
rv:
3h08
